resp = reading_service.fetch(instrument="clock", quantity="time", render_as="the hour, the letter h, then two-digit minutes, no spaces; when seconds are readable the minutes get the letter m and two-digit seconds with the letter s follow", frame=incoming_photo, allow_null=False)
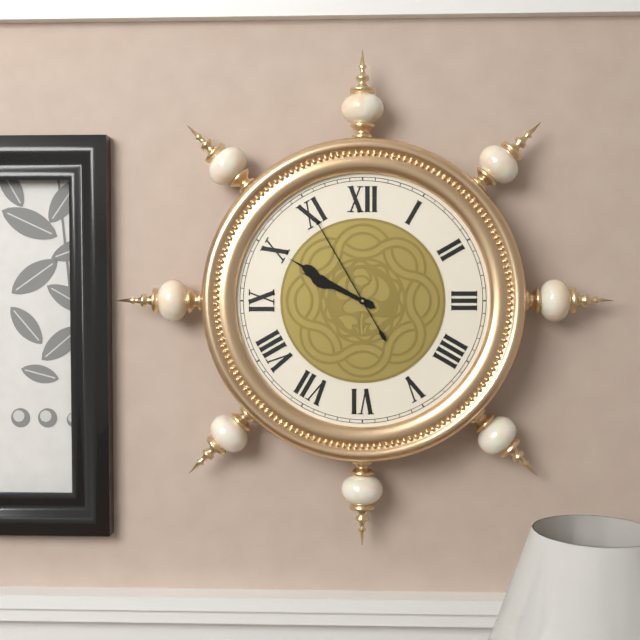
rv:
9h50m55s
